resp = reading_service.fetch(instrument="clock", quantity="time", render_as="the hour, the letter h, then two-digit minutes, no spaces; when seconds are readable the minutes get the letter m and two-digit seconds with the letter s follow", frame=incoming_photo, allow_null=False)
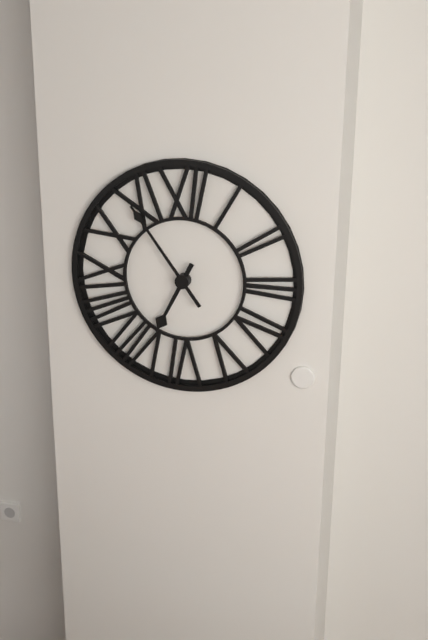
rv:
6h54
